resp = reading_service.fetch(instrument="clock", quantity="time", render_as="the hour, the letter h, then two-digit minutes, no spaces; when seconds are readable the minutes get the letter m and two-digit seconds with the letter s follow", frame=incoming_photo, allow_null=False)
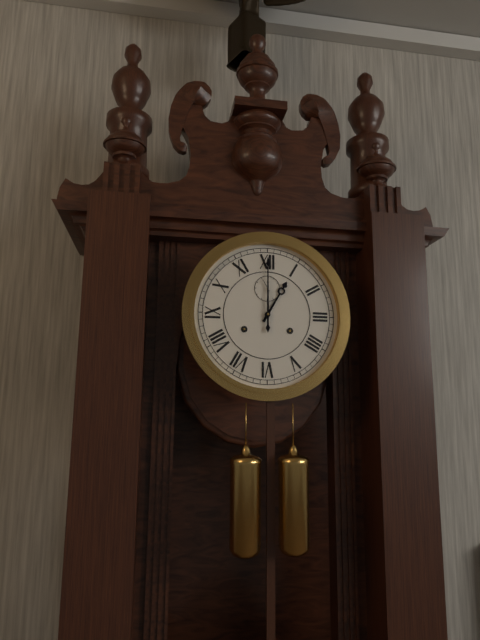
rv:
1h00
